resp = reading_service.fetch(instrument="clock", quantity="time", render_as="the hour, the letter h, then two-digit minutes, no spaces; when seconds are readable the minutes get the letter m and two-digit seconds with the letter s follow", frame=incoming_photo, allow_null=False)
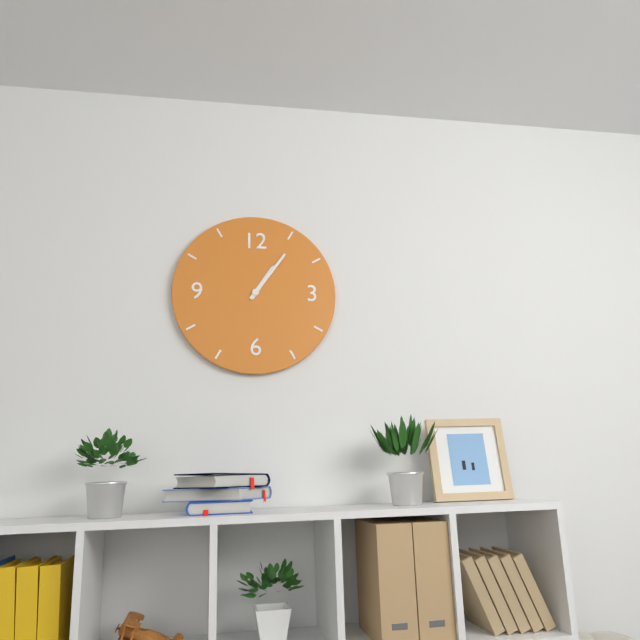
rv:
1h06
